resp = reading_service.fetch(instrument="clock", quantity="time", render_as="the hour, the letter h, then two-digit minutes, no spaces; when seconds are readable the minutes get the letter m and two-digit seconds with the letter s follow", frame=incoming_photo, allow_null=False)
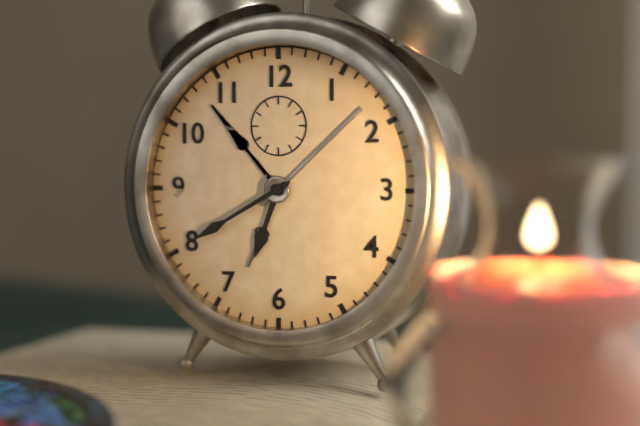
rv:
6h40
